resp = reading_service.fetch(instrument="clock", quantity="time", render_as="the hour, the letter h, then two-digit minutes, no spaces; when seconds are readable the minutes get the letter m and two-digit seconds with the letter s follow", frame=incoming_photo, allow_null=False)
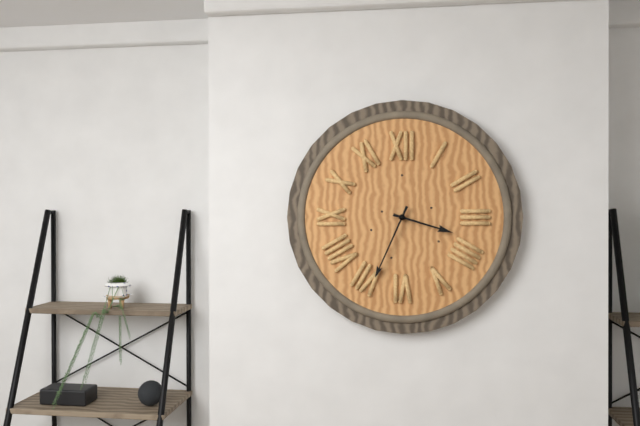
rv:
3h34
